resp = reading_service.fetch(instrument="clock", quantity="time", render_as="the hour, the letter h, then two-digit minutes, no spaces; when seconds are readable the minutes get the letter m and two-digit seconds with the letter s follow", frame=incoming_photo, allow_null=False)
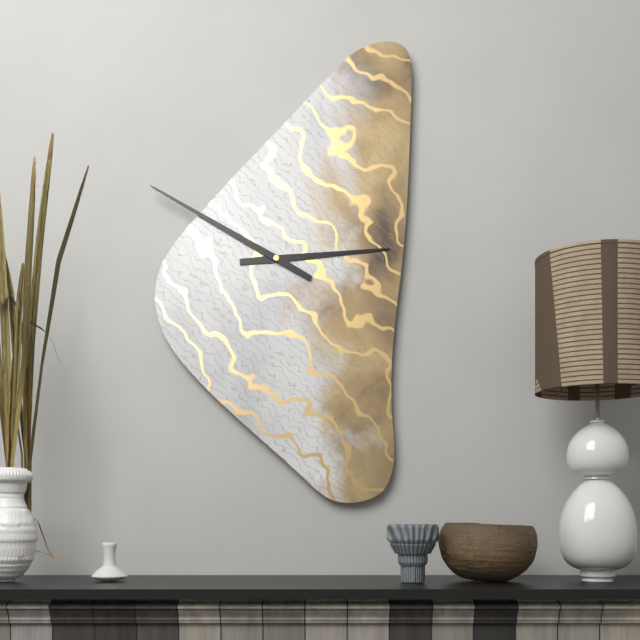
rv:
2h50
